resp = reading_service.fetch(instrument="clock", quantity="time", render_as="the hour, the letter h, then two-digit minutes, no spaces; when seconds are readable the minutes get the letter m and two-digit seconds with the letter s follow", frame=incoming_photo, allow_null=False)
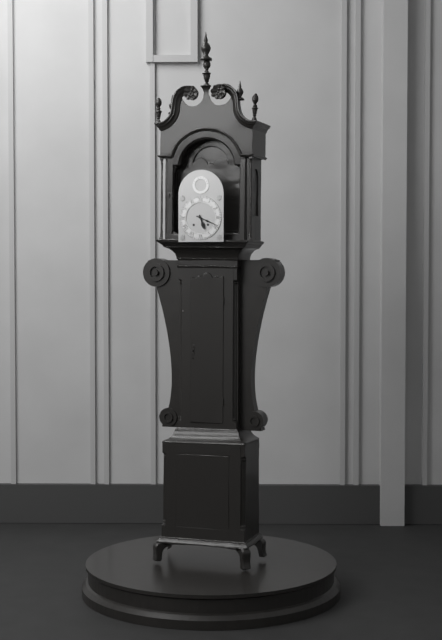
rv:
5h19
